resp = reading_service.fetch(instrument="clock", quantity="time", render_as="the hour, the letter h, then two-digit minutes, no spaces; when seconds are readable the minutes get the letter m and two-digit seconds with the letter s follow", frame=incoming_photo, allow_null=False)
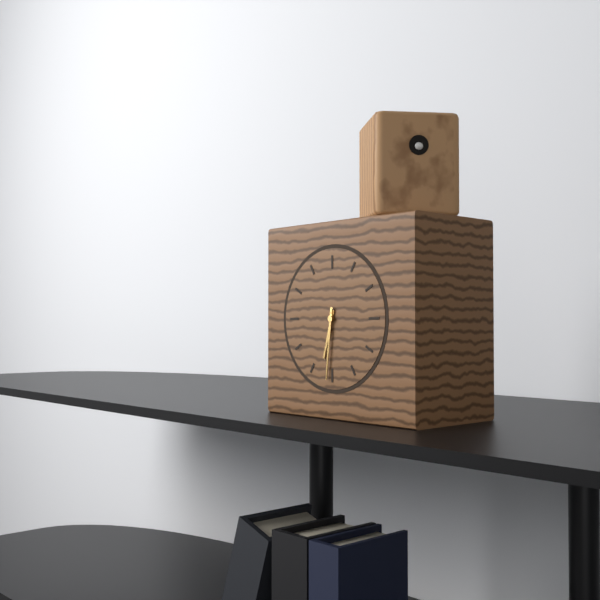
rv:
6h31
